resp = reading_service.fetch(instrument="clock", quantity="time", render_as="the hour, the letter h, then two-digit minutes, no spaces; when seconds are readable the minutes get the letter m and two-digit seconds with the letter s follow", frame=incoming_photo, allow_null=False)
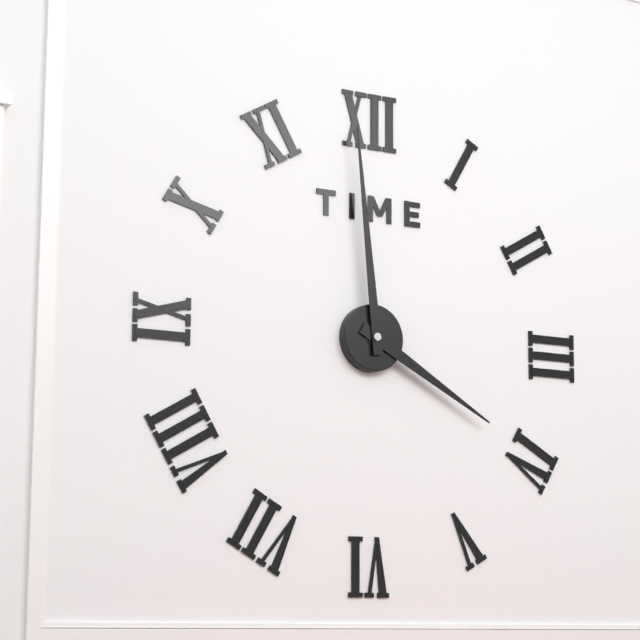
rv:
3h59
